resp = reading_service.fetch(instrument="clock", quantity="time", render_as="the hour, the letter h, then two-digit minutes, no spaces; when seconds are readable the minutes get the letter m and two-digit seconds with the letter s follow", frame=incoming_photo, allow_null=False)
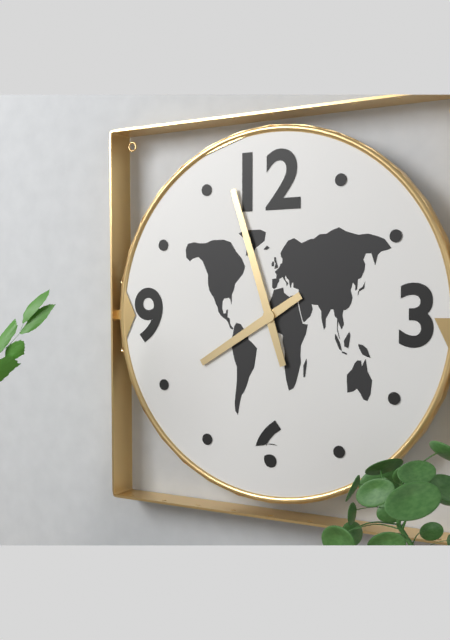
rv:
7h57
